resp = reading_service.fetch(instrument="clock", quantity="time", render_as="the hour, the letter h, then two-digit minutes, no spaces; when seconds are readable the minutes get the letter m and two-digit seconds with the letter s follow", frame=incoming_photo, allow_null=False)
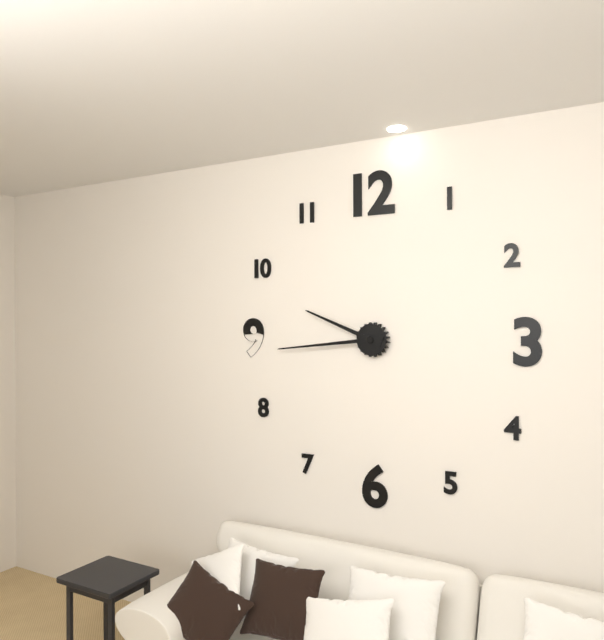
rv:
9h44
